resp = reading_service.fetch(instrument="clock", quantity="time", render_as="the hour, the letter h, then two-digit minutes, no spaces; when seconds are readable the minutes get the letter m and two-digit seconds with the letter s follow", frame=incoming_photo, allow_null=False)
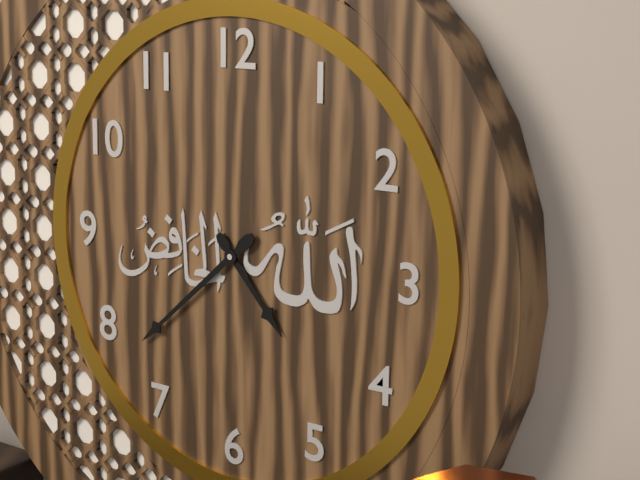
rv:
4h38
